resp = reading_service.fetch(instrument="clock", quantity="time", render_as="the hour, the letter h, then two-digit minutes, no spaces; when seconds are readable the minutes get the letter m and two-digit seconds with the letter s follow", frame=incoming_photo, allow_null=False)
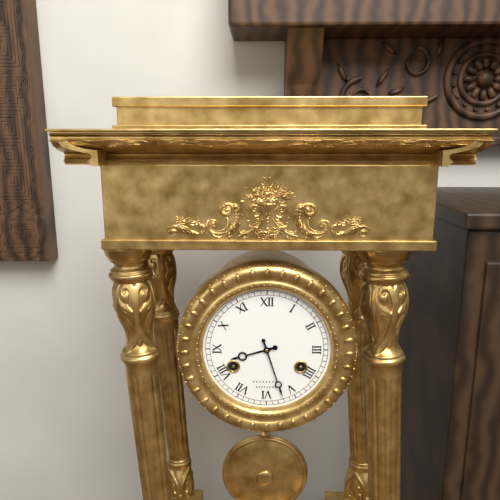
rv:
8h27
